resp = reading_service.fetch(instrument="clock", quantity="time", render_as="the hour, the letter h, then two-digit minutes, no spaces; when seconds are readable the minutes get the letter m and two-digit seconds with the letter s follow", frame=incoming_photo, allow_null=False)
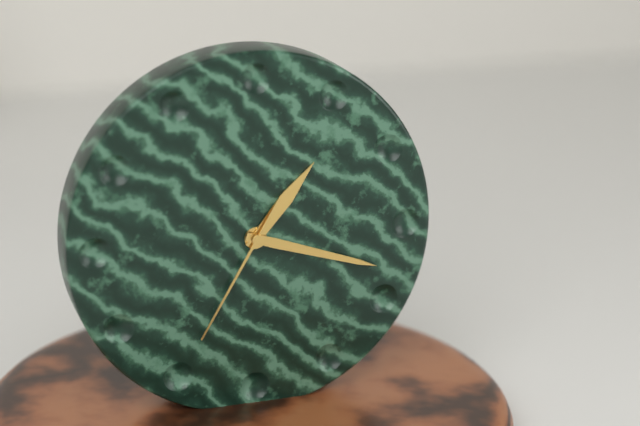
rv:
1h18m35s
